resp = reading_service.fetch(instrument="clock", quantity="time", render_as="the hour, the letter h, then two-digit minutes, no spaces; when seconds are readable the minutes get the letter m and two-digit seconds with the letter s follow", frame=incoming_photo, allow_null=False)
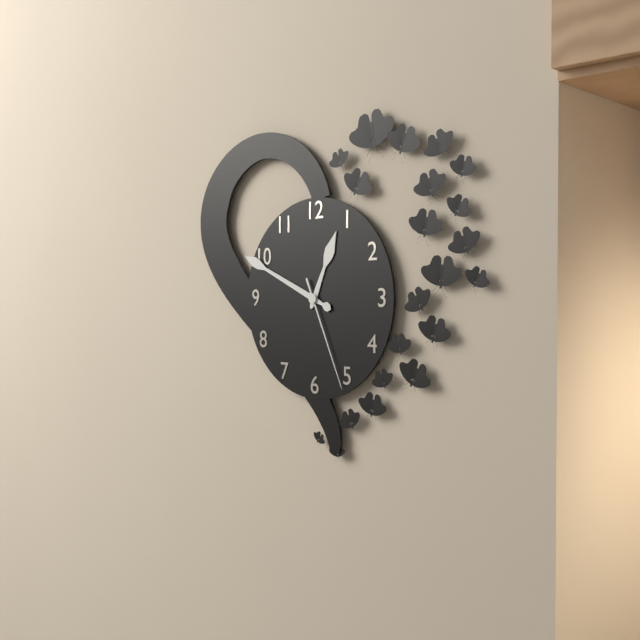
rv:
12h49m26s
